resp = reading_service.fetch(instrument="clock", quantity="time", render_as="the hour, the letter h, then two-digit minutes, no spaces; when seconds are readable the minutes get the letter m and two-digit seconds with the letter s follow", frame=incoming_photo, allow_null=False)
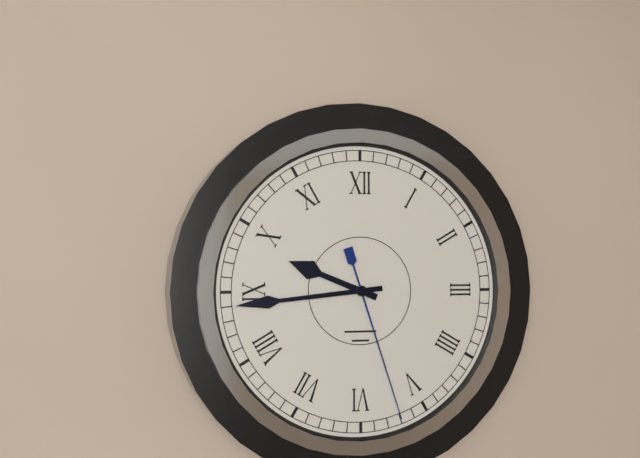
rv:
9h44m27s
